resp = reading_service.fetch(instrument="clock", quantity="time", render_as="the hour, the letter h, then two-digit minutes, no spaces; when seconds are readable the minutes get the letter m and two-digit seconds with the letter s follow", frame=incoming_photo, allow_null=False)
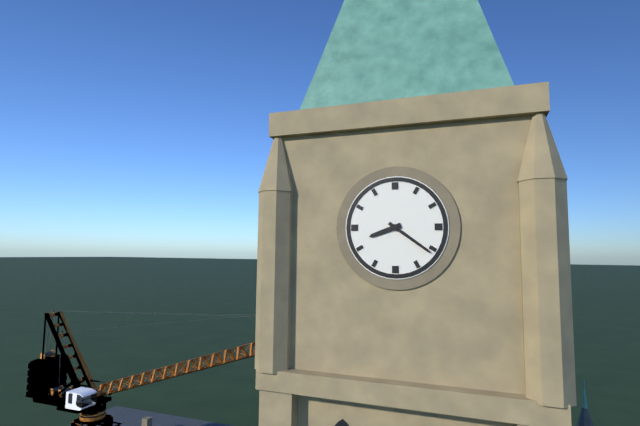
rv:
8h21
